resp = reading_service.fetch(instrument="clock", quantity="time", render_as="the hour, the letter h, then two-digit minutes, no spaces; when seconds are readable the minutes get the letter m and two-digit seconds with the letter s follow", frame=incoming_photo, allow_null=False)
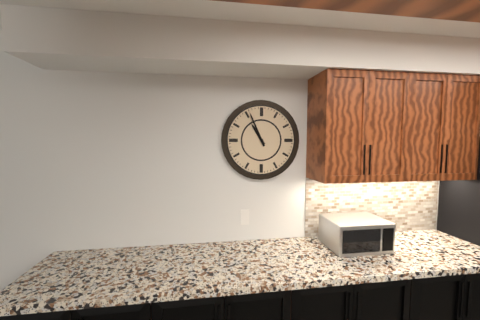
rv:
10h56
